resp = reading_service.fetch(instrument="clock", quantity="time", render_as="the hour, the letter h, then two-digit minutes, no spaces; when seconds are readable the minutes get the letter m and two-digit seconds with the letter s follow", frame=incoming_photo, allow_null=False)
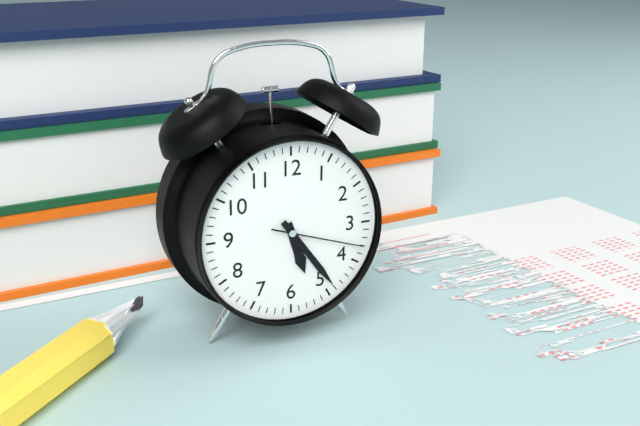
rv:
5h24m18s
